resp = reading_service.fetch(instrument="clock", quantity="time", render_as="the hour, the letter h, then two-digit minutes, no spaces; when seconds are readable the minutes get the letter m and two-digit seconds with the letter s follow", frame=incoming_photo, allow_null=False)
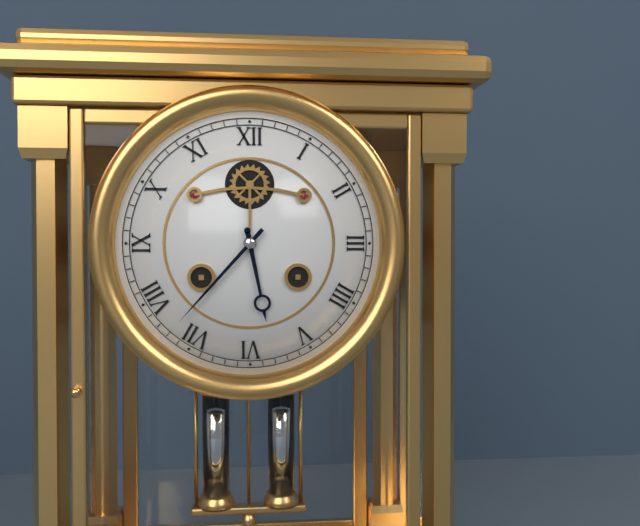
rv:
5h37
